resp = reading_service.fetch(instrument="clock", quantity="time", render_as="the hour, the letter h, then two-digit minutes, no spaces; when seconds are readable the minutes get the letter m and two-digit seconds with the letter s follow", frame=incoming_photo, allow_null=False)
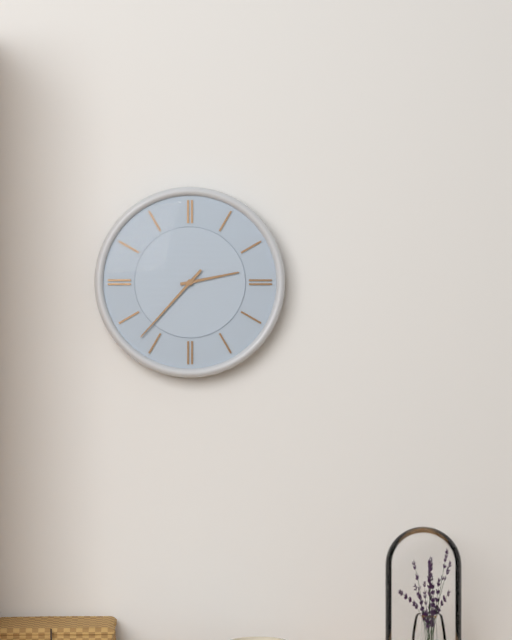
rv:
2h37
